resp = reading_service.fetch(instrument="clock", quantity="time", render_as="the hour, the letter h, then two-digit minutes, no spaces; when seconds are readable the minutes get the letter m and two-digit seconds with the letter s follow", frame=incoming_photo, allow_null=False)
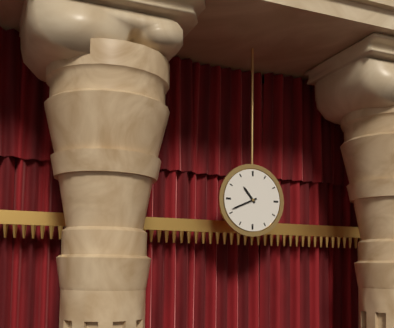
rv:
10h41
